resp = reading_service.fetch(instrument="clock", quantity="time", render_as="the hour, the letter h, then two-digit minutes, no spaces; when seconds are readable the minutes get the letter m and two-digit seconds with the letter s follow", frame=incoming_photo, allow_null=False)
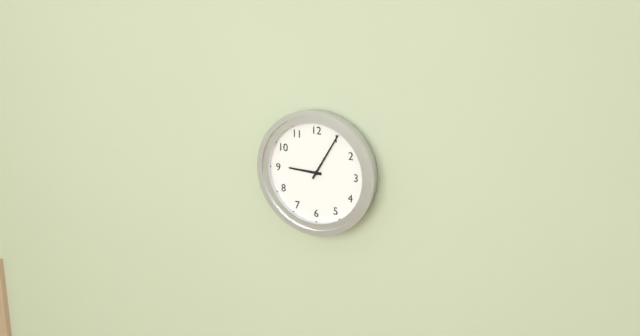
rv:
9h05
